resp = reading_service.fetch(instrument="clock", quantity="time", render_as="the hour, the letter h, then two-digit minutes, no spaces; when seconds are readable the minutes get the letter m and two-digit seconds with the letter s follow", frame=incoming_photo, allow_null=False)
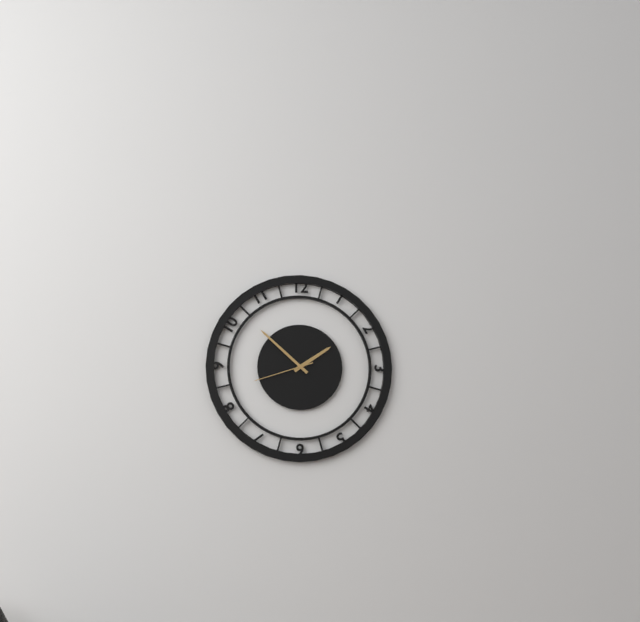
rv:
1h52m42s
